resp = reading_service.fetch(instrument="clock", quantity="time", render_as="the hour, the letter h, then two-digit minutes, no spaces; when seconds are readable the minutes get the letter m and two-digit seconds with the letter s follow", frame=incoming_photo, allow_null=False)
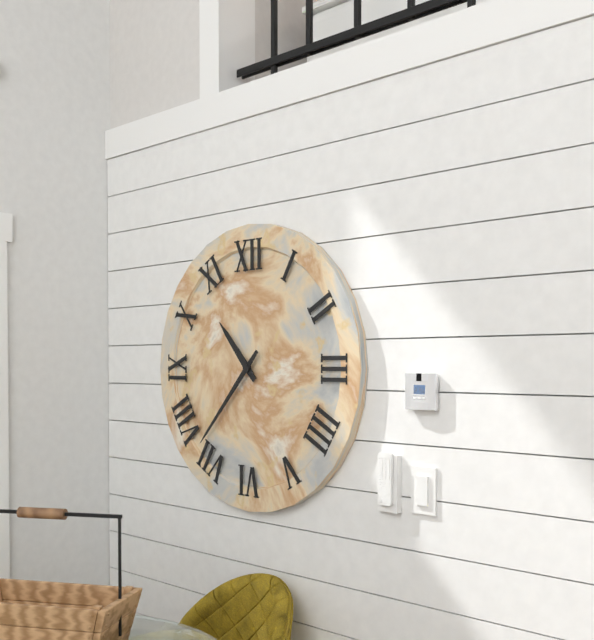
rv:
10h37
